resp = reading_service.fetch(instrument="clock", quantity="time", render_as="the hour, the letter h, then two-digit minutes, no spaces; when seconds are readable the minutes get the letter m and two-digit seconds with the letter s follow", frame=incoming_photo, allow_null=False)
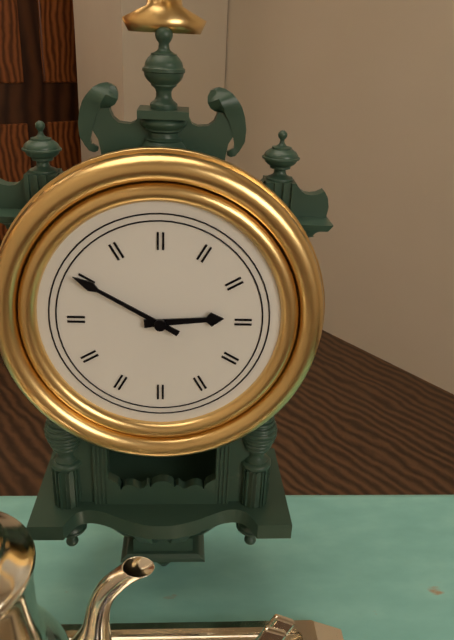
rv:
2h50
